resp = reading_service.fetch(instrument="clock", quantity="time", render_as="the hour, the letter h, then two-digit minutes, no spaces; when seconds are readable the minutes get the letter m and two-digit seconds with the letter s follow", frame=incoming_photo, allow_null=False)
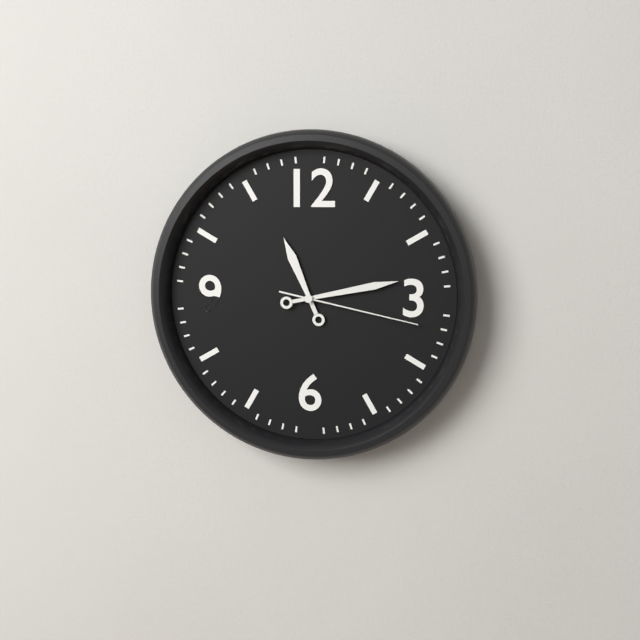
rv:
11h13m17s
